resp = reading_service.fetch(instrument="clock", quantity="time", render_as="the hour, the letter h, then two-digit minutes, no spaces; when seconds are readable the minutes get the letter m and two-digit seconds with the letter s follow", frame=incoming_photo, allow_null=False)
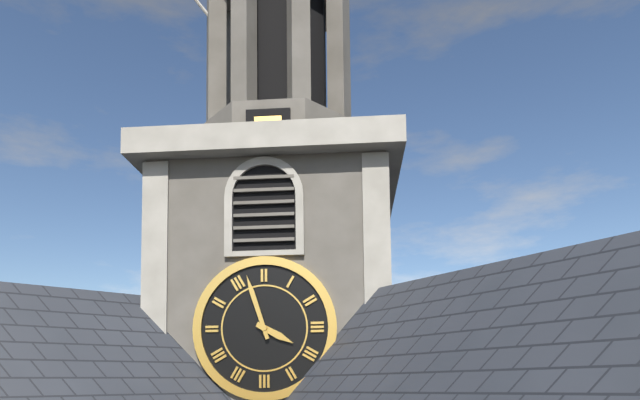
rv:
3h57
